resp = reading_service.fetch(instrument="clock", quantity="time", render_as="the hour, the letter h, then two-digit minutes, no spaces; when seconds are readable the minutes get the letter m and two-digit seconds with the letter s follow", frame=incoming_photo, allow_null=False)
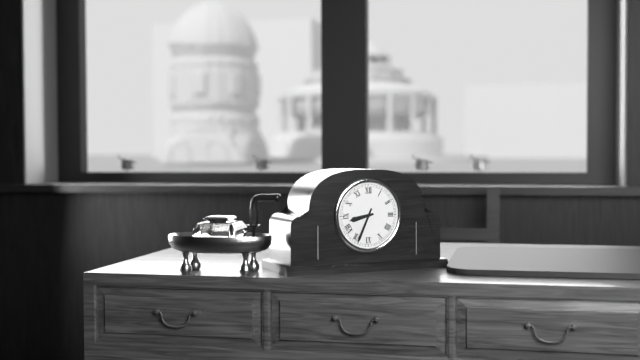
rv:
8h34
